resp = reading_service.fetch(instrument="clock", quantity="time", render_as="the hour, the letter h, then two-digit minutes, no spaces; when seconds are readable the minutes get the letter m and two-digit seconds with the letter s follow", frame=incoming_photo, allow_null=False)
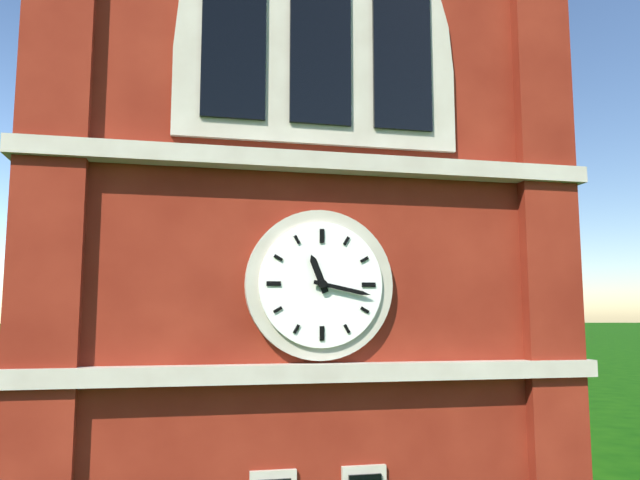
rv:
11h17
